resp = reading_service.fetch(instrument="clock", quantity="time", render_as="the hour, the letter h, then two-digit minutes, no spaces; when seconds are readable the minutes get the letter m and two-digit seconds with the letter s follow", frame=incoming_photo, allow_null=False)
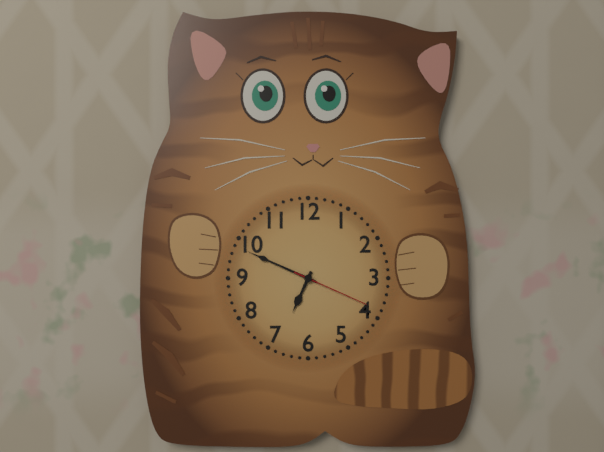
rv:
6h49m19s
